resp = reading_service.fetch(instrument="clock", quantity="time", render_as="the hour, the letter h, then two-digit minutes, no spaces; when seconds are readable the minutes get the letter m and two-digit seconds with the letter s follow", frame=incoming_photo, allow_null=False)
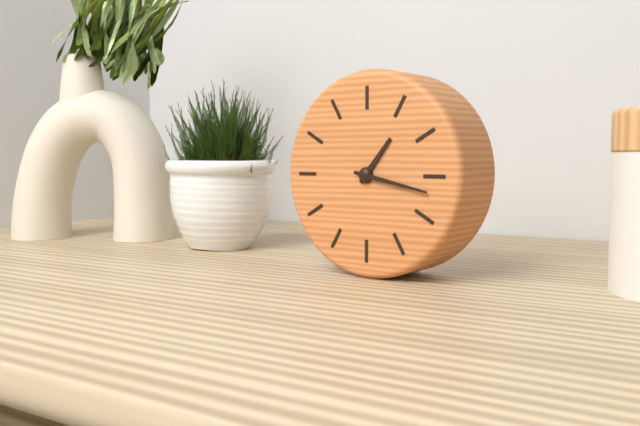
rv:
1h17
